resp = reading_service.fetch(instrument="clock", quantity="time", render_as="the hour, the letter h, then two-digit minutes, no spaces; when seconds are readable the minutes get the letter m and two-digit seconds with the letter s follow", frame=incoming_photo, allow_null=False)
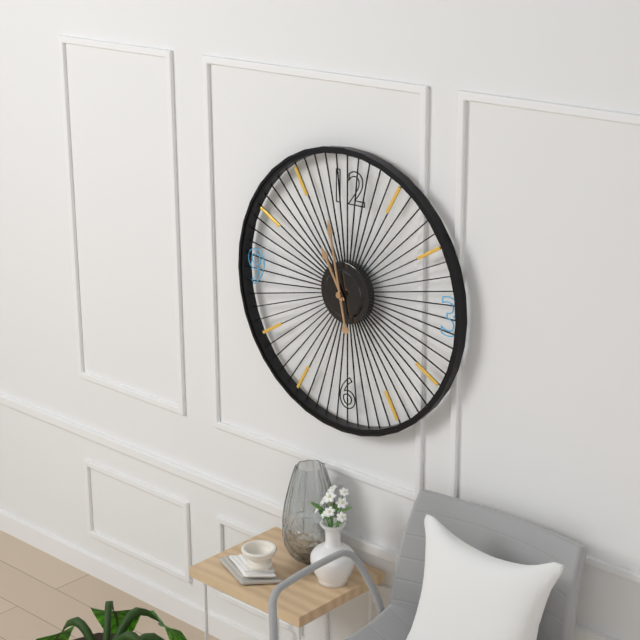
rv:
10h58
